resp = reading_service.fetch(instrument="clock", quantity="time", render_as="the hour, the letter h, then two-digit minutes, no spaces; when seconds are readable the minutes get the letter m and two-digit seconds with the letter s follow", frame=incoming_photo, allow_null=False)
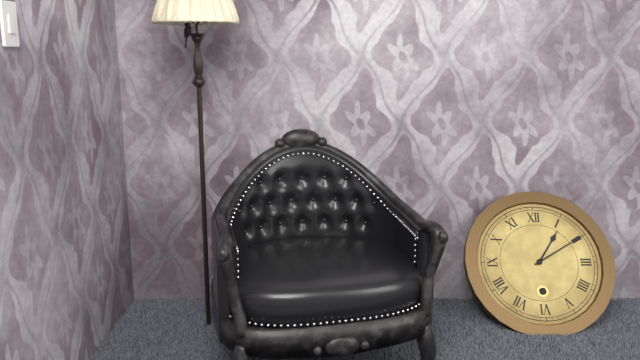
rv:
1h10
